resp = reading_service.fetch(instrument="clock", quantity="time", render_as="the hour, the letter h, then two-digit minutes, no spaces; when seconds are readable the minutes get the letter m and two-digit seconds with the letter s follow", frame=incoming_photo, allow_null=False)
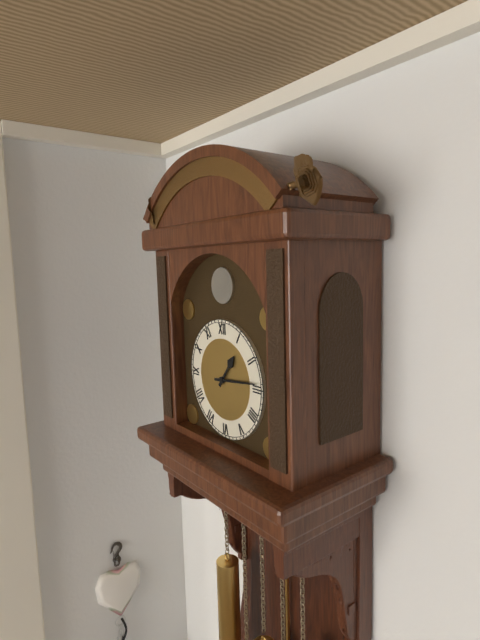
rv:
1h14
